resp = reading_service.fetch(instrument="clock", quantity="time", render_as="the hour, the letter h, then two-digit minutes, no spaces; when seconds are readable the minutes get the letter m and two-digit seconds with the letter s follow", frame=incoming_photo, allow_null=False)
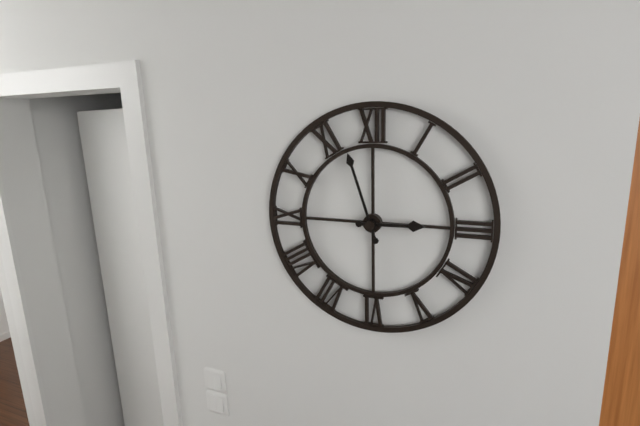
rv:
2h57
